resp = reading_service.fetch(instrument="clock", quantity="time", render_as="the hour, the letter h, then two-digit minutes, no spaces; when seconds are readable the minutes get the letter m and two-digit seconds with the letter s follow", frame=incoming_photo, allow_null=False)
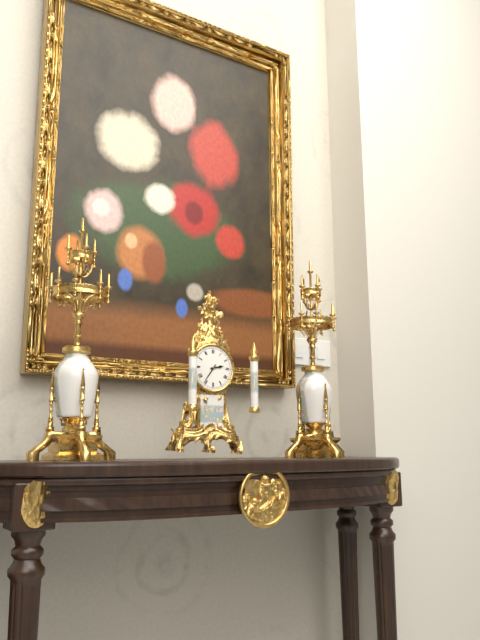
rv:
2h36
